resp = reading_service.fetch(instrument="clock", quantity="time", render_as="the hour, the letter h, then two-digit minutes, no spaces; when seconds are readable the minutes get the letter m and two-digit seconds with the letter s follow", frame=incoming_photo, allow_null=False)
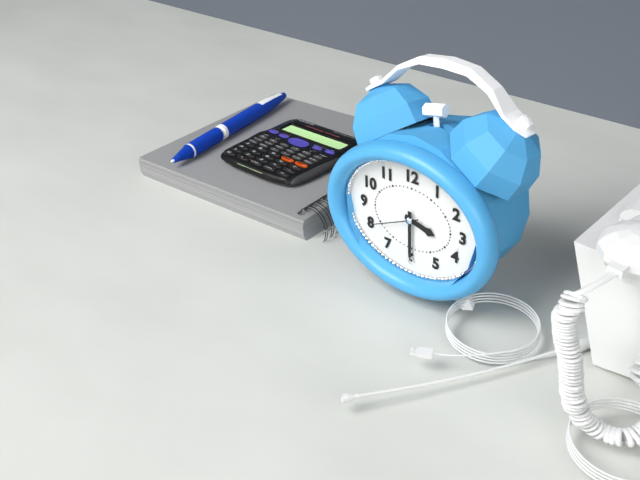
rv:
3h30
